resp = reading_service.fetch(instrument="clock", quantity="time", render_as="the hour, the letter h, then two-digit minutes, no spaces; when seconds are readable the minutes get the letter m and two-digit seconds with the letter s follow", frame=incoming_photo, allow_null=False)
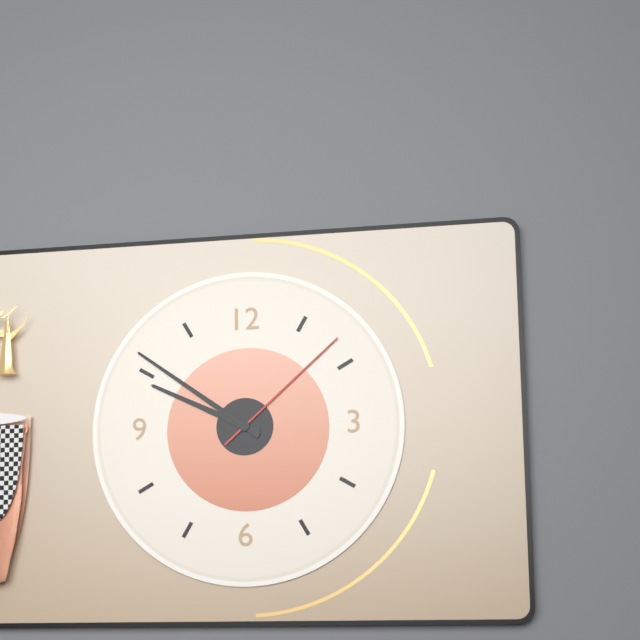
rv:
9h51m08s
